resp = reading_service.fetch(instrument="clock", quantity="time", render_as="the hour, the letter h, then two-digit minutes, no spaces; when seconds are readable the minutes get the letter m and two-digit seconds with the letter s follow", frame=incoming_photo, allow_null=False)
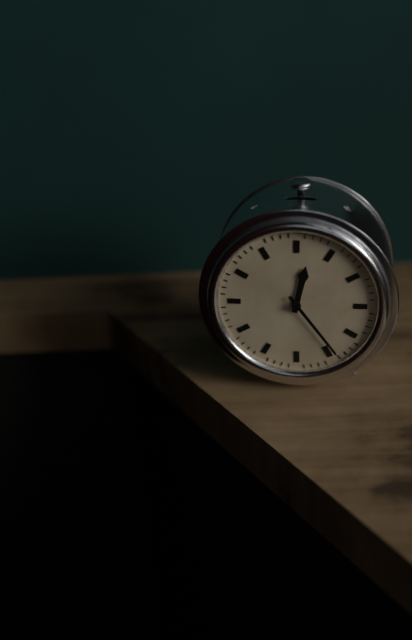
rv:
12h24
